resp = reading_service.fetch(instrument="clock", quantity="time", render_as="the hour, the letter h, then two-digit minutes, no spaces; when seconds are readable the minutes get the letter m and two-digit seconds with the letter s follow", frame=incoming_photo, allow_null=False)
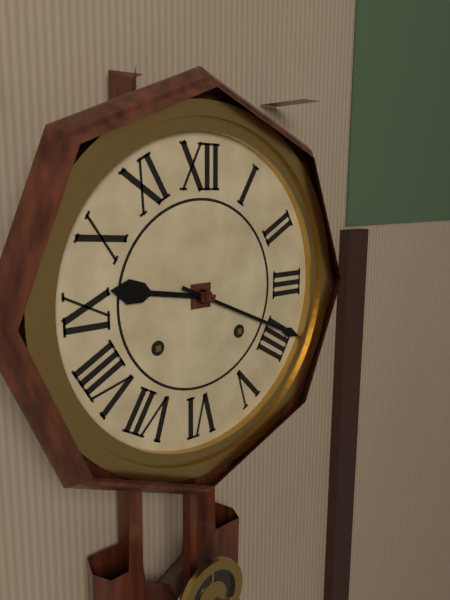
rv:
9h19
